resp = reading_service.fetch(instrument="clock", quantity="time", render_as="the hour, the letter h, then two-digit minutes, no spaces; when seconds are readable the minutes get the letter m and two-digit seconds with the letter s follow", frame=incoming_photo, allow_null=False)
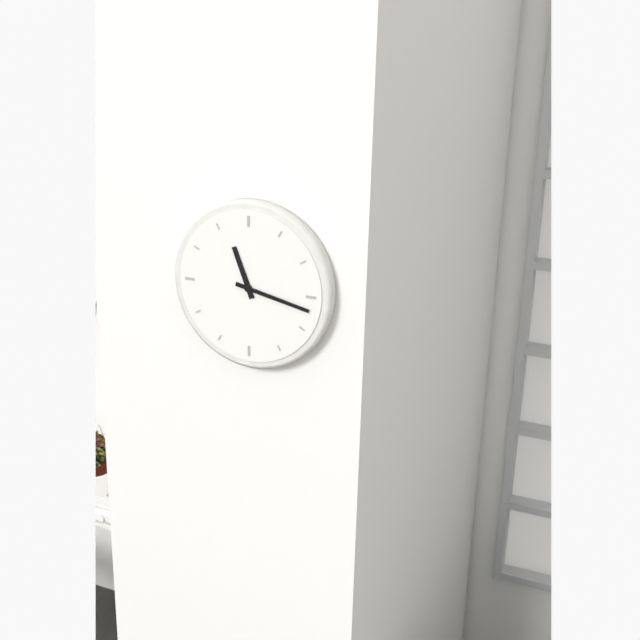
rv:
11h17
